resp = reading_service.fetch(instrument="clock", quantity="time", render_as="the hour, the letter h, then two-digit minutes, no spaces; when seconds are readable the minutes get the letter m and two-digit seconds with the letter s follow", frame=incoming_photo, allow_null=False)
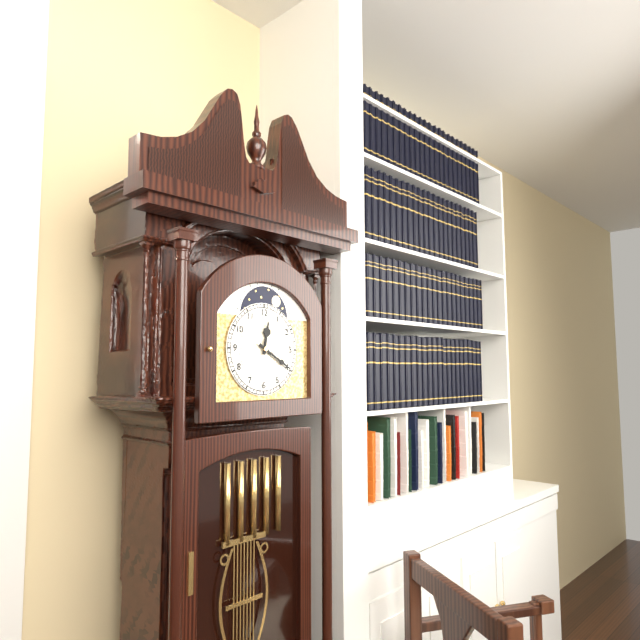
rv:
12h20
